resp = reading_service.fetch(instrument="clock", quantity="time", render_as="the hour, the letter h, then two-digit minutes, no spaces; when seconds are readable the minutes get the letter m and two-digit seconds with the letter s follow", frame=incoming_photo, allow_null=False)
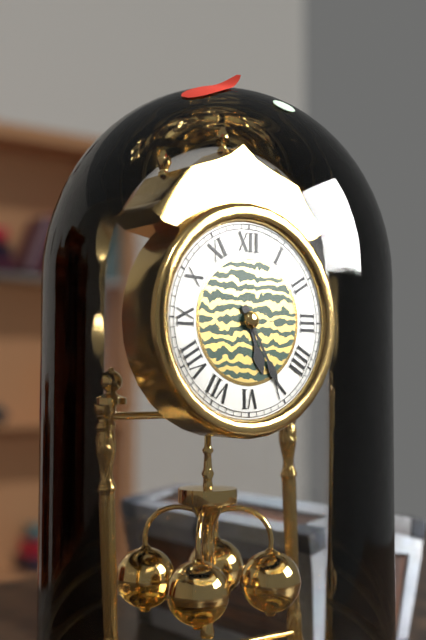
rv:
5h25
